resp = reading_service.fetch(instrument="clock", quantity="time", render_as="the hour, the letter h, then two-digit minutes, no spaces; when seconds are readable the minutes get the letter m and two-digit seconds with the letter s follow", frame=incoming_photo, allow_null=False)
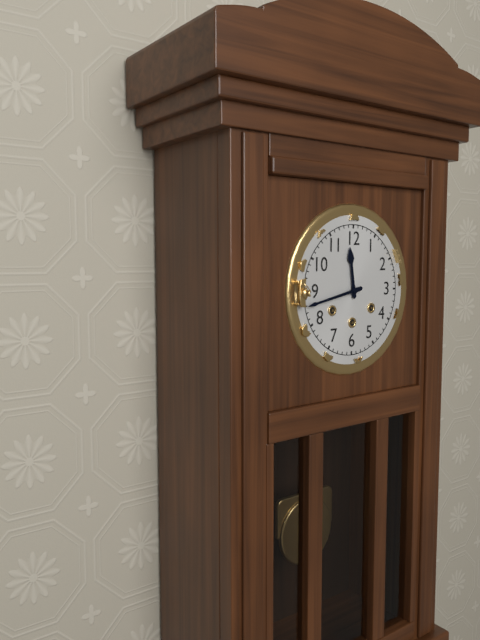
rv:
11h43
